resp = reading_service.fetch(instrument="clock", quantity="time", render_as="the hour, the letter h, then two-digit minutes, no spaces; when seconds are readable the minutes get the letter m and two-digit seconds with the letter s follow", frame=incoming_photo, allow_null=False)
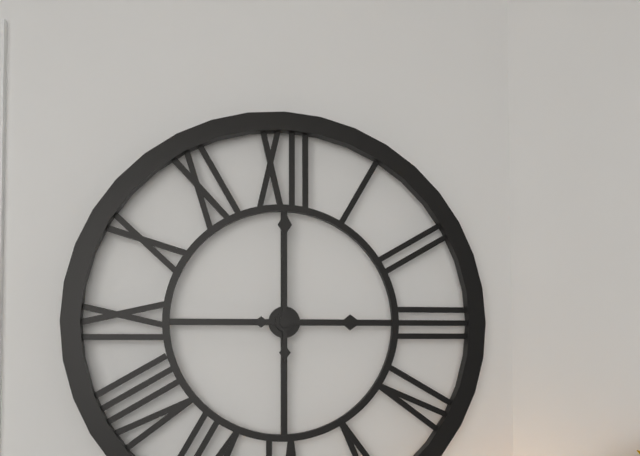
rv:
3h00
